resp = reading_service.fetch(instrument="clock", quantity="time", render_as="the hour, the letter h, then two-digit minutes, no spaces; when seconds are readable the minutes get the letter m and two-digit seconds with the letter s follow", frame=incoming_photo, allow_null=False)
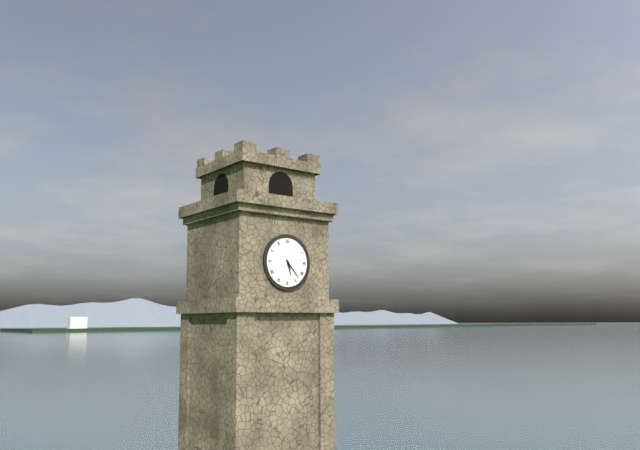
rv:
5h23
